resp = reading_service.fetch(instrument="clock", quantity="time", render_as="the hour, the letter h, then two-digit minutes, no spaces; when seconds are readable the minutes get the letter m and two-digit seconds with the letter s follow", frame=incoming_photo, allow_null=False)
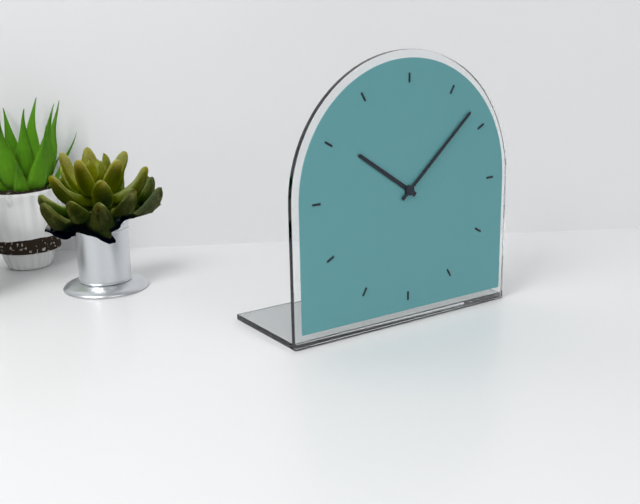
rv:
10h08
